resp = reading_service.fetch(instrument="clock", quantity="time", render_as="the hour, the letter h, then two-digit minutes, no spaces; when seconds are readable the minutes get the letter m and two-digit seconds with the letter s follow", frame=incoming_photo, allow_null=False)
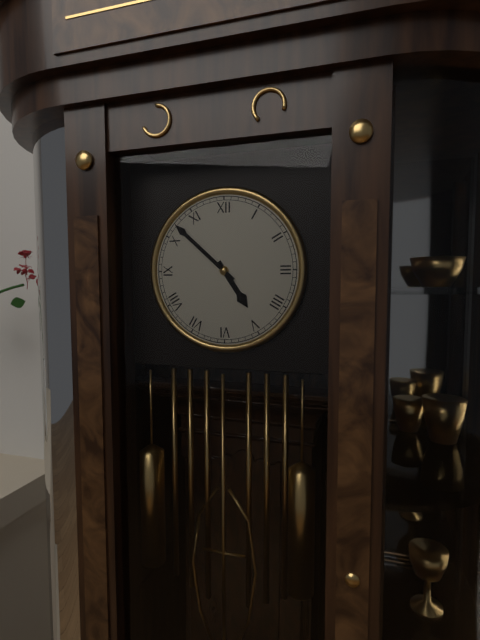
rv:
4h52
